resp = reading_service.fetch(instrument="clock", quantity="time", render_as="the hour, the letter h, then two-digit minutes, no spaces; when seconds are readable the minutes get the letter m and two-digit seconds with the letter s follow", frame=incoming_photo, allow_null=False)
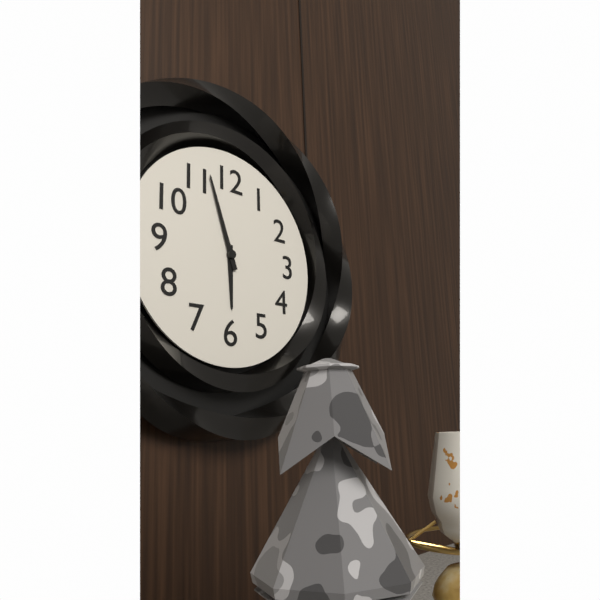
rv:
5h57
